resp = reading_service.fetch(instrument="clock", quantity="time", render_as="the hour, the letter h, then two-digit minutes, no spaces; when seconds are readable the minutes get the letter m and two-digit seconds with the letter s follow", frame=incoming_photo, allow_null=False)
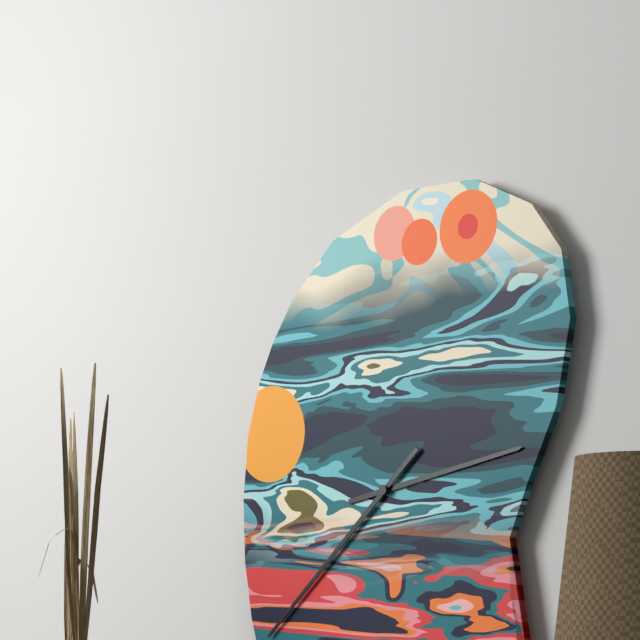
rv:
2h38
